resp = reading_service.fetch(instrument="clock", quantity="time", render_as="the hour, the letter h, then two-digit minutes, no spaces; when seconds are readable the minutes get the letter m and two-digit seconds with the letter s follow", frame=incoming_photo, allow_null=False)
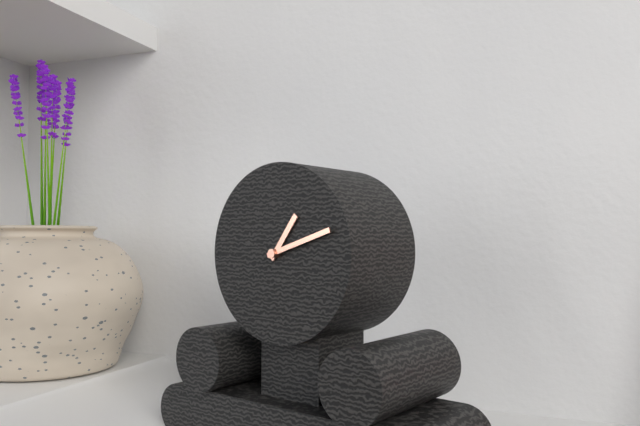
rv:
1h12
